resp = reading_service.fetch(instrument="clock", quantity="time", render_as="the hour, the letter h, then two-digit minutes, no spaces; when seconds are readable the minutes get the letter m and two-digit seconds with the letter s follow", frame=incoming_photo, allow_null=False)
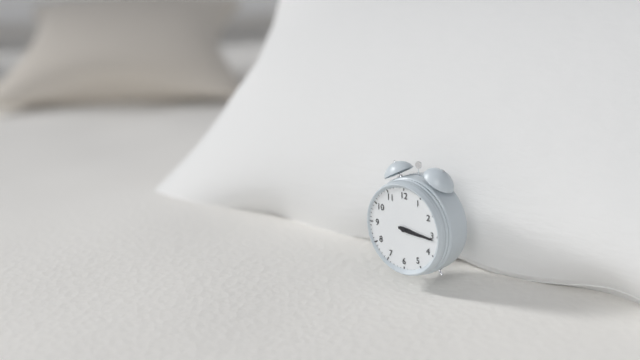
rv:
3h16
